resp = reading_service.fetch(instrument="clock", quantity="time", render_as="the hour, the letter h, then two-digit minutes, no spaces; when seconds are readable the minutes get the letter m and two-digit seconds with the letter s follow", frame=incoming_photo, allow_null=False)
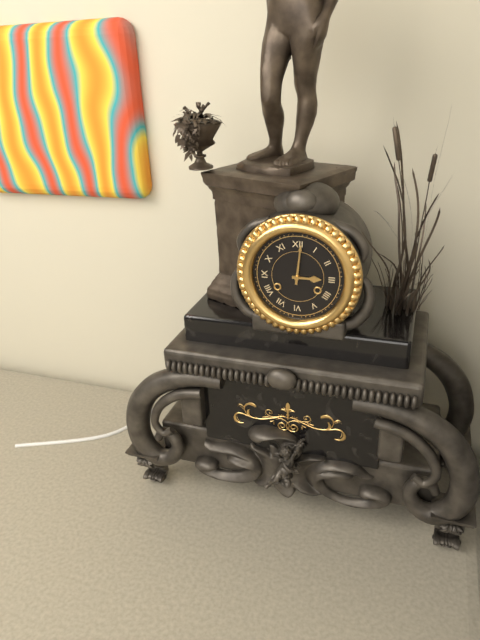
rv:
3h01
